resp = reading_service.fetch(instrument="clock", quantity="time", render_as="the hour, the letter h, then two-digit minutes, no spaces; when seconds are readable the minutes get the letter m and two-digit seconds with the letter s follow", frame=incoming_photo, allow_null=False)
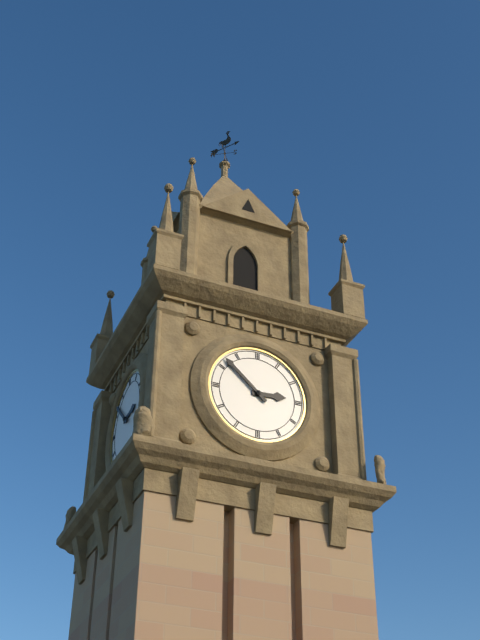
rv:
2h52
